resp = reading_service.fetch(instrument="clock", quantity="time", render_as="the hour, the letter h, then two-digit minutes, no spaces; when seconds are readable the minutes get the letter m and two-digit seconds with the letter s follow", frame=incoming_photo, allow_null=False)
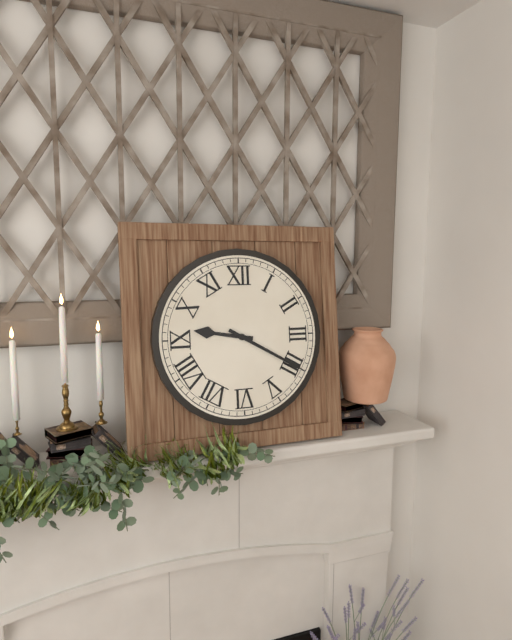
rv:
9h20
